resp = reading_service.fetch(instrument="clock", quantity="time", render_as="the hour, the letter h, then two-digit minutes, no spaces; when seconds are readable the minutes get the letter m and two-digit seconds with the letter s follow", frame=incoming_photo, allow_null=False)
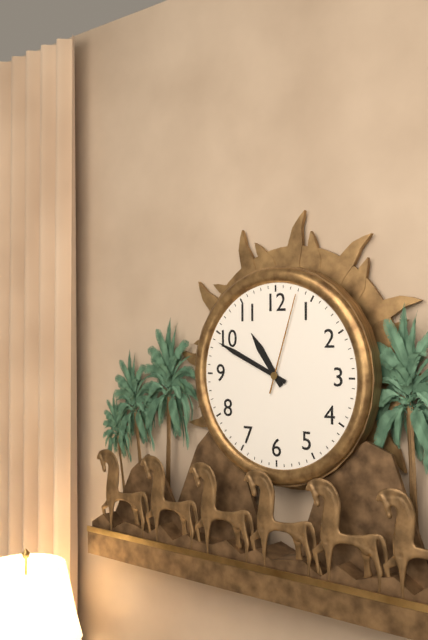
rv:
10h49m03s
